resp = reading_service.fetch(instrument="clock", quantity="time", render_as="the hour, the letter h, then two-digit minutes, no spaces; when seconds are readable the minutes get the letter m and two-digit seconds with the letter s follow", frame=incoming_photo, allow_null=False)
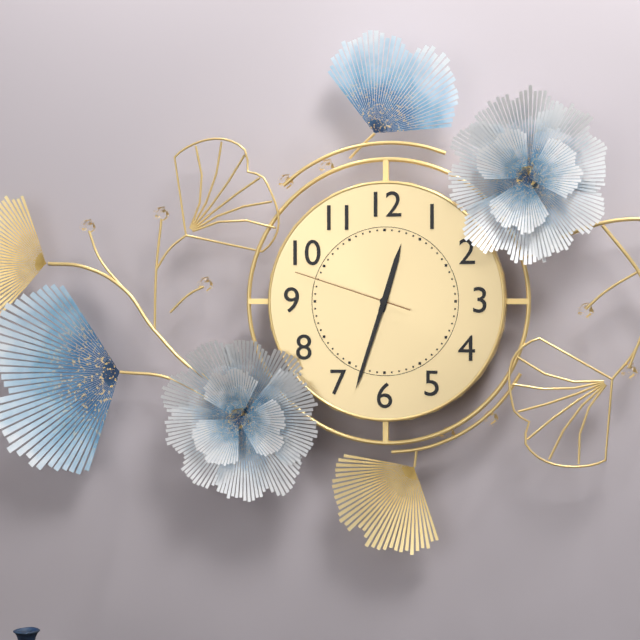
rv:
12h33m48s
